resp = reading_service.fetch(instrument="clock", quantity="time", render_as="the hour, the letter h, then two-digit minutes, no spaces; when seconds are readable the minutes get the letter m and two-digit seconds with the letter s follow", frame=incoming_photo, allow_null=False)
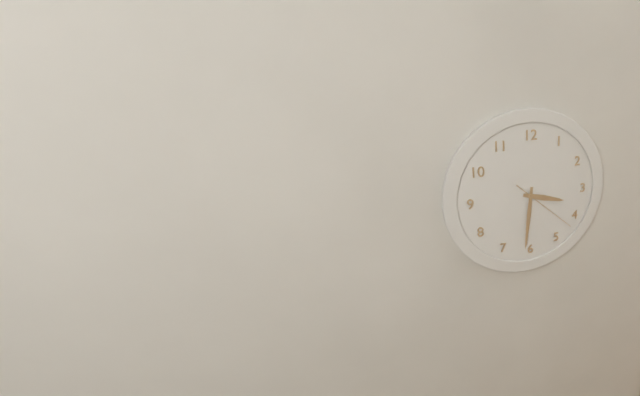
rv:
3h31m22s
